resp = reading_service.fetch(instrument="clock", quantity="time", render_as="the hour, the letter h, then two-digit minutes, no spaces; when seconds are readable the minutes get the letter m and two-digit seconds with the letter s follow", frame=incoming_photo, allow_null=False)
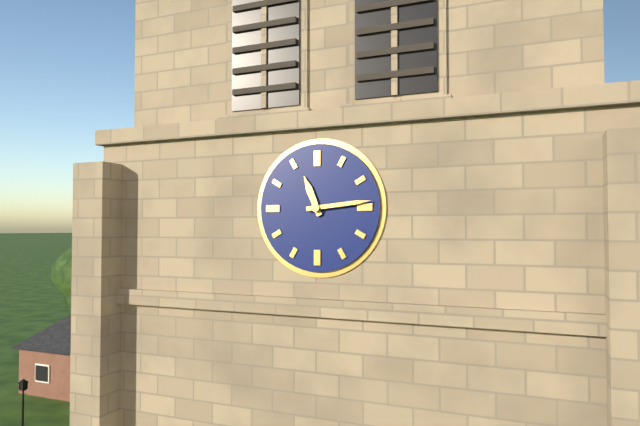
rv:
11h14
